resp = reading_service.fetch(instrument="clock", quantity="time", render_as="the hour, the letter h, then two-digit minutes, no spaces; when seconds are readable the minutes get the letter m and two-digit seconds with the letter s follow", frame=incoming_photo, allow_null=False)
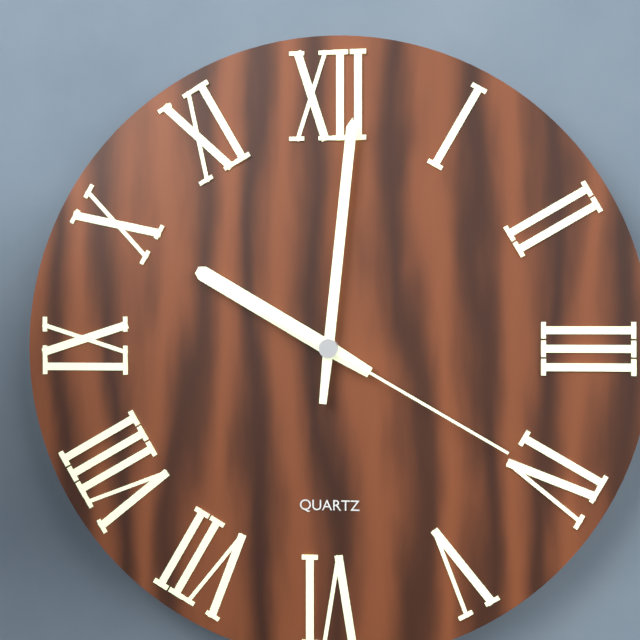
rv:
10h01m20s
